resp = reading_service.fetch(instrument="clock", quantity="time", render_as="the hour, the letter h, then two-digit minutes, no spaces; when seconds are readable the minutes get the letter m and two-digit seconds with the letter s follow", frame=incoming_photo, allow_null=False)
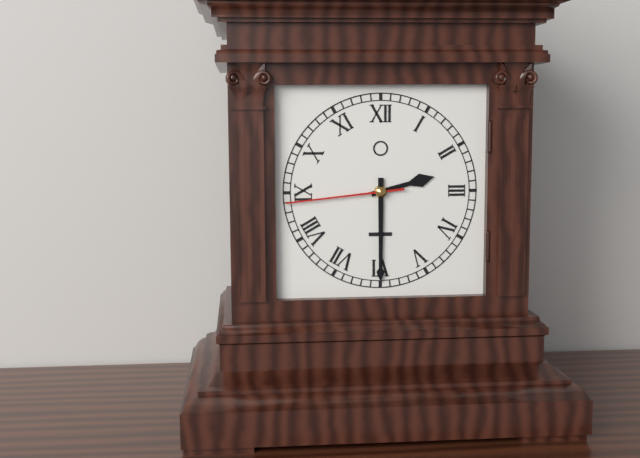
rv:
2h30m44s
